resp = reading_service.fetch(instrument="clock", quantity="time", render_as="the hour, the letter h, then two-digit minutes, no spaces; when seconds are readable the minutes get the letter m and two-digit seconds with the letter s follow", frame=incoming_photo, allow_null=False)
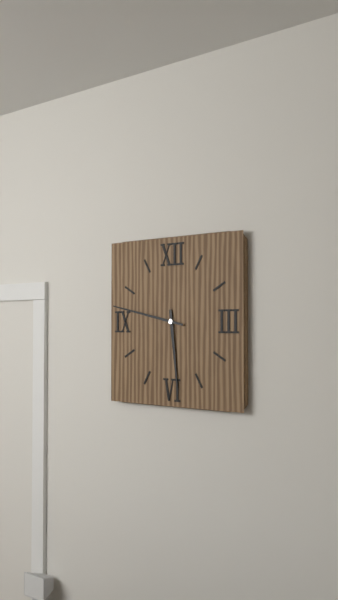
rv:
5h47
